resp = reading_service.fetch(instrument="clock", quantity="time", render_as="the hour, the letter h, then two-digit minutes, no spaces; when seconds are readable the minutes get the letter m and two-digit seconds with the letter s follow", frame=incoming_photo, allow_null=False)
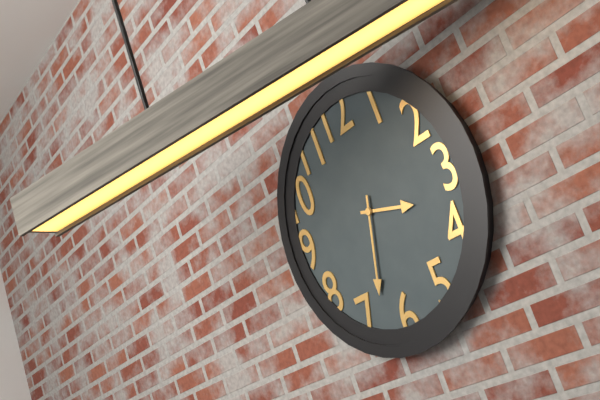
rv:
3h33
